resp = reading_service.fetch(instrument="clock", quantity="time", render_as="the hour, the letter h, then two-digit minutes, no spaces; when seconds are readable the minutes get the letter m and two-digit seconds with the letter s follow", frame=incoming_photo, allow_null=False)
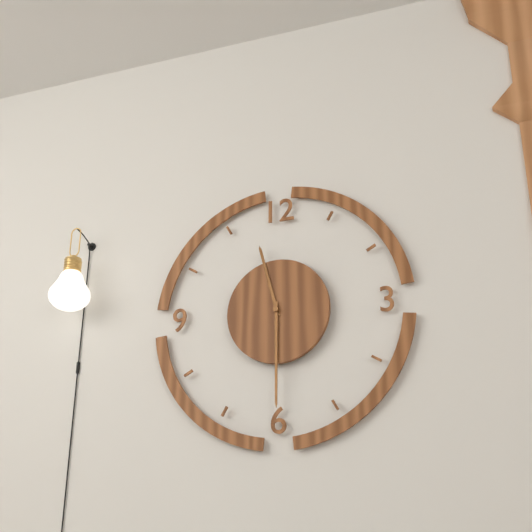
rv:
11h30
